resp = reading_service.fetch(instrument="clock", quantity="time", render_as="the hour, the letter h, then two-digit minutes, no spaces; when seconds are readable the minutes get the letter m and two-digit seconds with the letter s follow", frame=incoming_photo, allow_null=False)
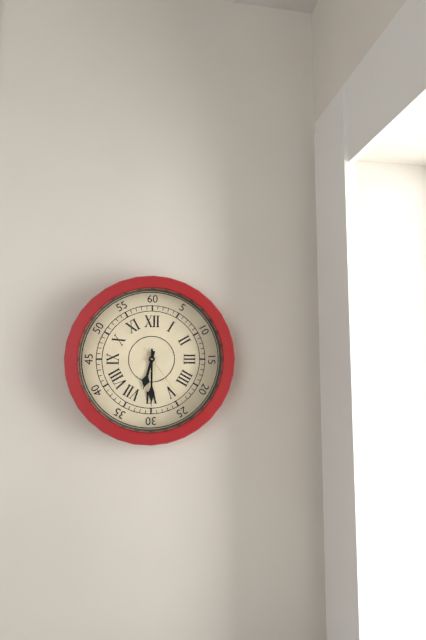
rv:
6h30m24s
